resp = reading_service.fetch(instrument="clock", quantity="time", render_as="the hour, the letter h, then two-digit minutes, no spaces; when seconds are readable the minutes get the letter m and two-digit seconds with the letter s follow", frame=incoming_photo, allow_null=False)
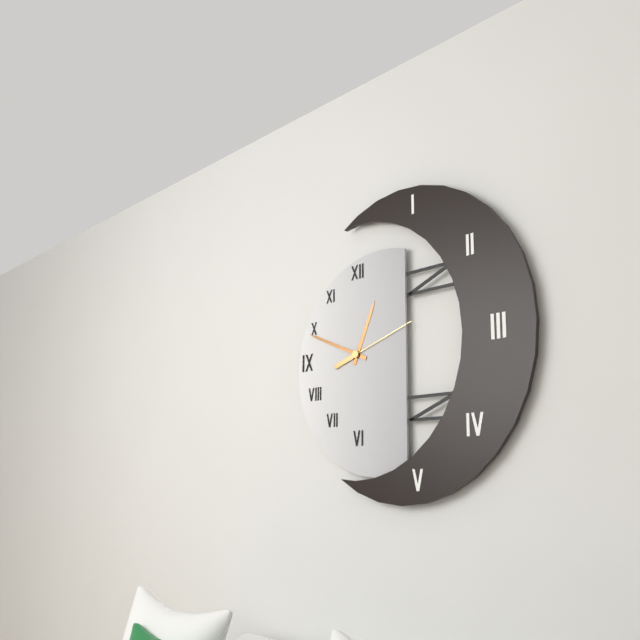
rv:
12h49m12s
